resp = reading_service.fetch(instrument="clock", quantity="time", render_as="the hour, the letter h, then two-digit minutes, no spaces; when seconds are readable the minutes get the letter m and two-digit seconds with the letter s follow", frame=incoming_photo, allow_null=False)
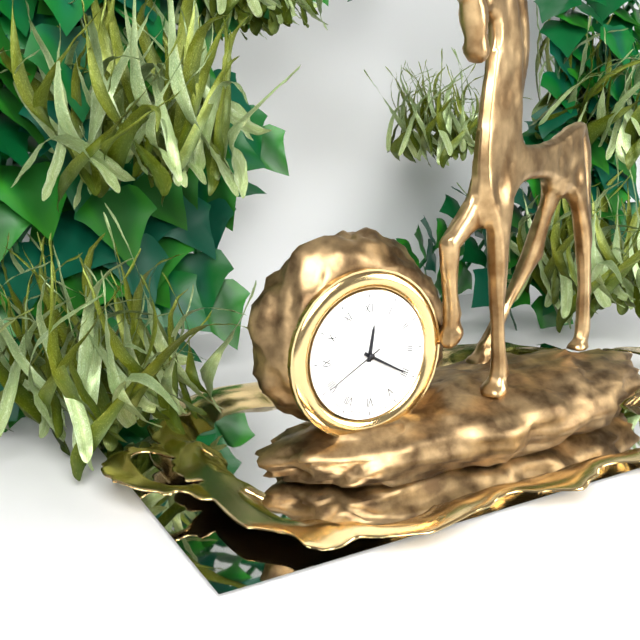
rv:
12h20m40s
